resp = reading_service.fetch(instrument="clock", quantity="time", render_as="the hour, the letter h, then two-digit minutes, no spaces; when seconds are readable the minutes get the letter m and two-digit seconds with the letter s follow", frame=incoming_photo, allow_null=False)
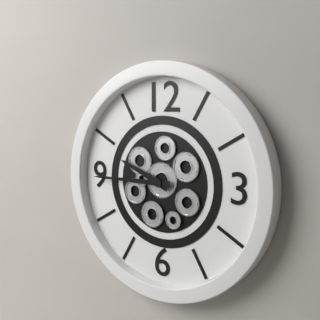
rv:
9h45
